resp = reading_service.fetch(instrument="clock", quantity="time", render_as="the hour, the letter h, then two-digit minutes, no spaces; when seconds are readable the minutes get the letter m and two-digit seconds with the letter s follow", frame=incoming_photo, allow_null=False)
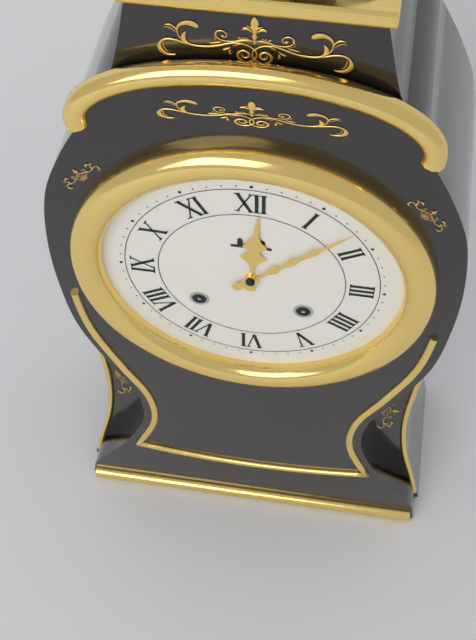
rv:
12h08
